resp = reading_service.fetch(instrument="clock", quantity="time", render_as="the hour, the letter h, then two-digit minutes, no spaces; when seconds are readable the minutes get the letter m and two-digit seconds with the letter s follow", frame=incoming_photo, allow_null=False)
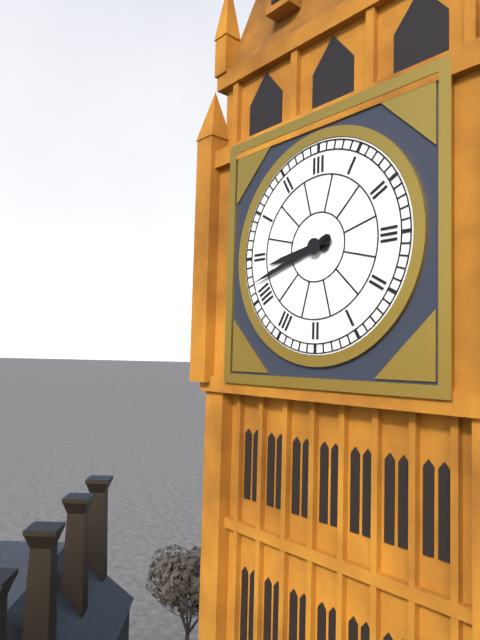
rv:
8h42
